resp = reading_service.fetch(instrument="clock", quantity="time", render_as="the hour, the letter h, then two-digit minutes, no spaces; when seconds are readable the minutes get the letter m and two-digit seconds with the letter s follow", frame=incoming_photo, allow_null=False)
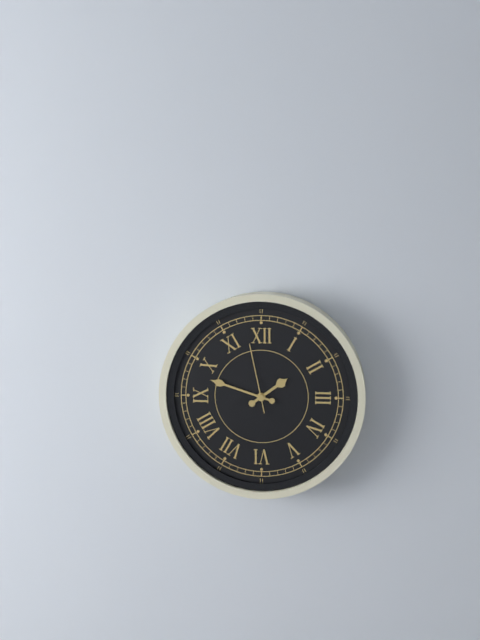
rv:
1h48m58s
